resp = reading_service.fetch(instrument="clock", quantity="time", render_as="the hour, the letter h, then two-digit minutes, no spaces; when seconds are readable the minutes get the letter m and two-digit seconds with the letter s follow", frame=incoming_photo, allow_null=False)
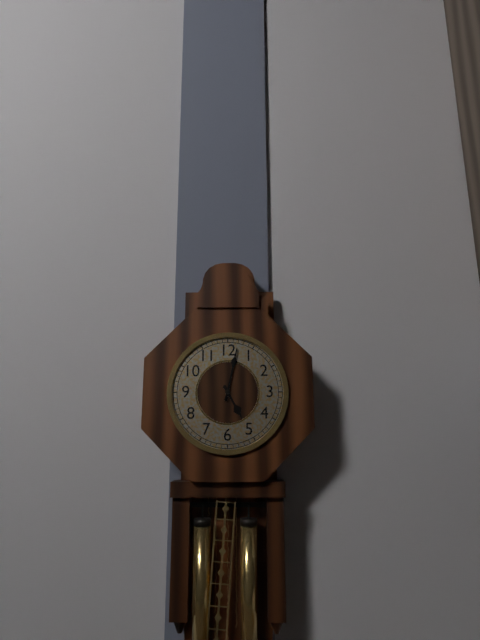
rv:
5h02
